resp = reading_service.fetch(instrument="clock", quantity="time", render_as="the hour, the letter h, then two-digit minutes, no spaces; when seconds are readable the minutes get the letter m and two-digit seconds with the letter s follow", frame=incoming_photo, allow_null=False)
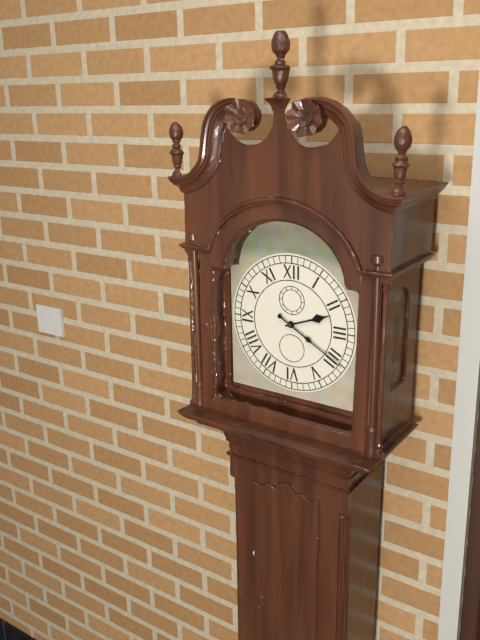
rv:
2h20
